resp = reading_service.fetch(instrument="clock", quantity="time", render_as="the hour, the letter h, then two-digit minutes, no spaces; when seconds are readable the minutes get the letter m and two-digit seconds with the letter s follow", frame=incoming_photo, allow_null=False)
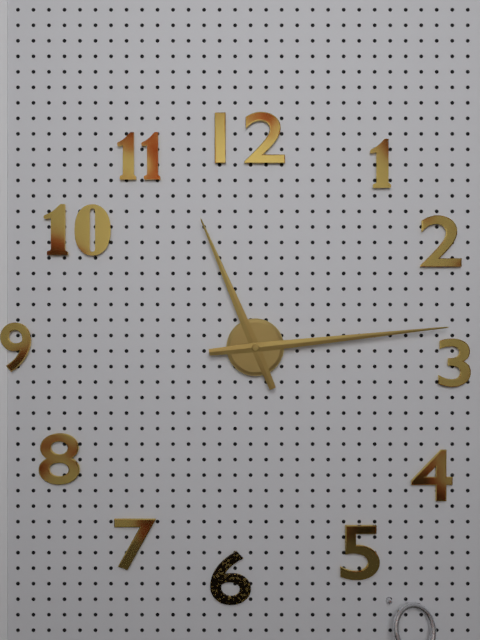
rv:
11h14
